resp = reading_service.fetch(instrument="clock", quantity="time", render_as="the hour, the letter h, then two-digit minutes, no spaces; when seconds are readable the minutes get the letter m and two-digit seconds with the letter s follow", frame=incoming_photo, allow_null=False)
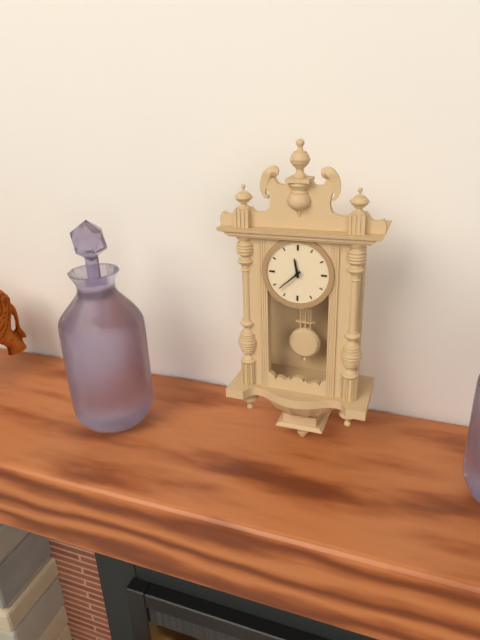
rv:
11h38
